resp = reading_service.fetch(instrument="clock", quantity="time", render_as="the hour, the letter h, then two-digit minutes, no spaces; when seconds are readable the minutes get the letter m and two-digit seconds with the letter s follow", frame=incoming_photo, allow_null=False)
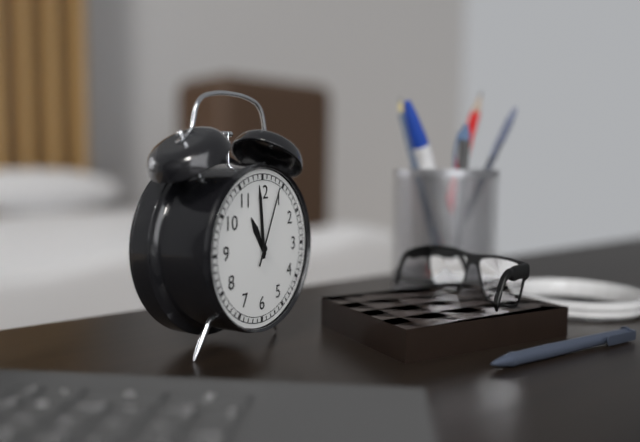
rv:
10h59m04s
